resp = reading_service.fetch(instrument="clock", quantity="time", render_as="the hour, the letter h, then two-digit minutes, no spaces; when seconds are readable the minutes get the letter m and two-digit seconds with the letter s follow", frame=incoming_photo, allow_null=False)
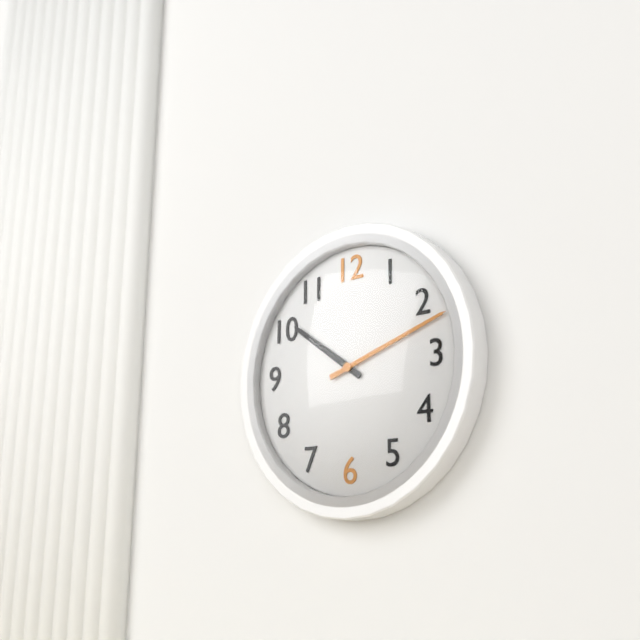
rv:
10h12
